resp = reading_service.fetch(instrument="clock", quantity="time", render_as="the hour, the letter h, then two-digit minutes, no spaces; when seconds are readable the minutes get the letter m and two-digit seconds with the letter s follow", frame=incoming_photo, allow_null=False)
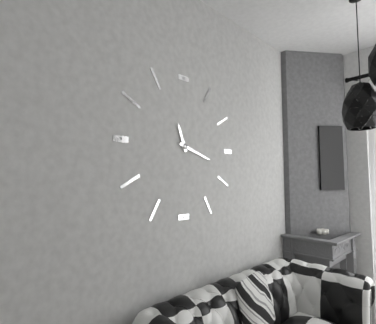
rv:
11h18
